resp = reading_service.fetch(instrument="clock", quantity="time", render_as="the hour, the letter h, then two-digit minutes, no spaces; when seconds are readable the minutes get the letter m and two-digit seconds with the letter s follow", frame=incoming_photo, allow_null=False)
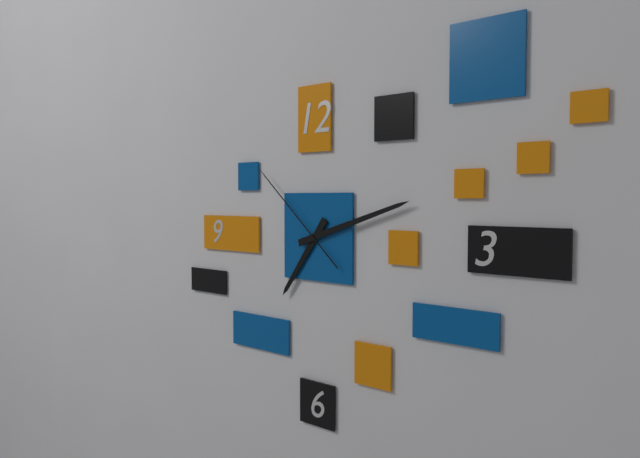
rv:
7h12m52s
